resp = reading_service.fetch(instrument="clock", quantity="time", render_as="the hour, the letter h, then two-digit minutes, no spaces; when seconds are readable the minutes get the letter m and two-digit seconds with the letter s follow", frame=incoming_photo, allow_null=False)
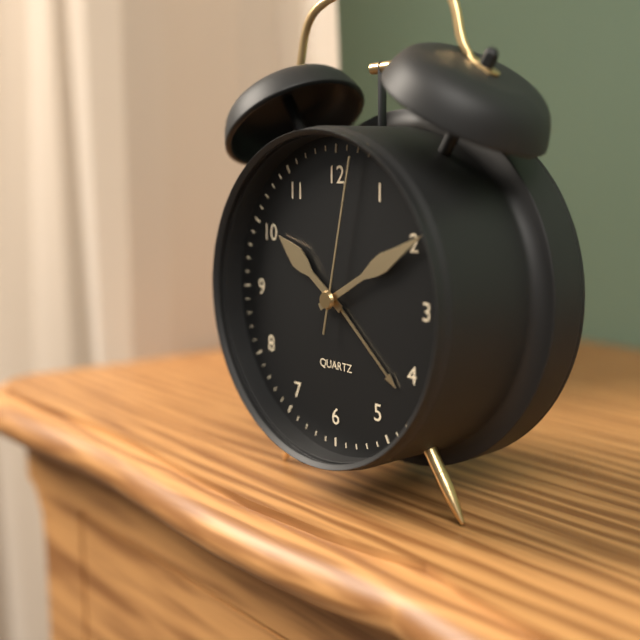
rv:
10h10m02s
